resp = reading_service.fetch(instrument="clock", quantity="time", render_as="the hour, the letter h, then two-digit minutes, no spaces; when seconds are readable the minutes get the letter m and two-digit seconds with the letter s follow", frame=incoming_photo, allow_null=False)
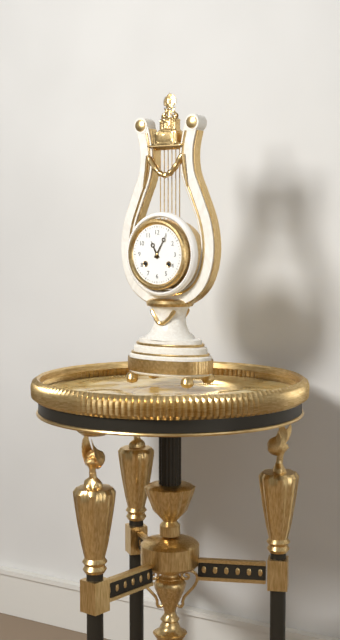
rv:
11h05
